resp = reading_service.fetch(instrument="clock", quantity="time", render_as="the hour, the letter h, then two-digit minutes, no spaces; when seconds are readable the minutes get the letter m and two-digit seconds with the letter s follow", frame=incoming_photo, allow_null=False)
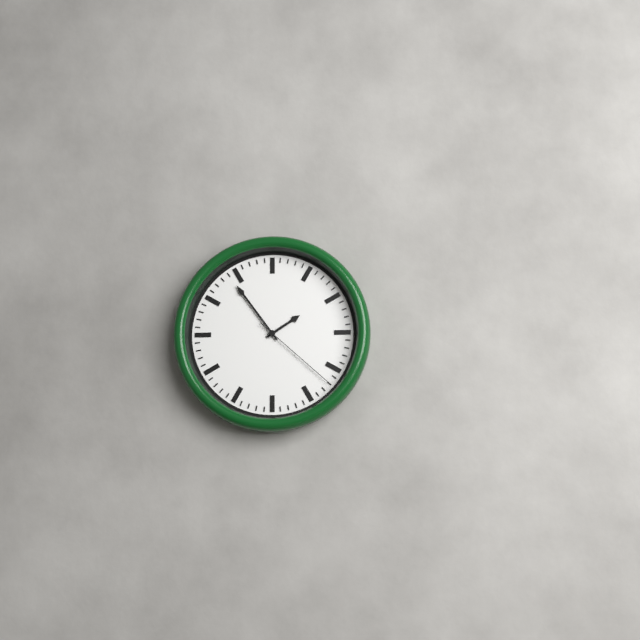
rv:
1h54m22s
